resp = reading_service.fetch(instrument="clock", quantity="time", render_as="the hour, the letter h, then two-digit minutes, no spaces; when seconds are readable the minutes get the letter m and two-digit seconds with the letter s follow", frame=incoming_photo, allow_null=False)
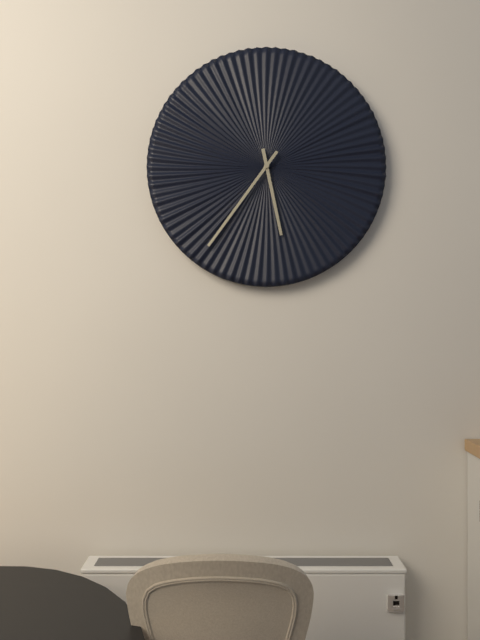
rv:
5h36
